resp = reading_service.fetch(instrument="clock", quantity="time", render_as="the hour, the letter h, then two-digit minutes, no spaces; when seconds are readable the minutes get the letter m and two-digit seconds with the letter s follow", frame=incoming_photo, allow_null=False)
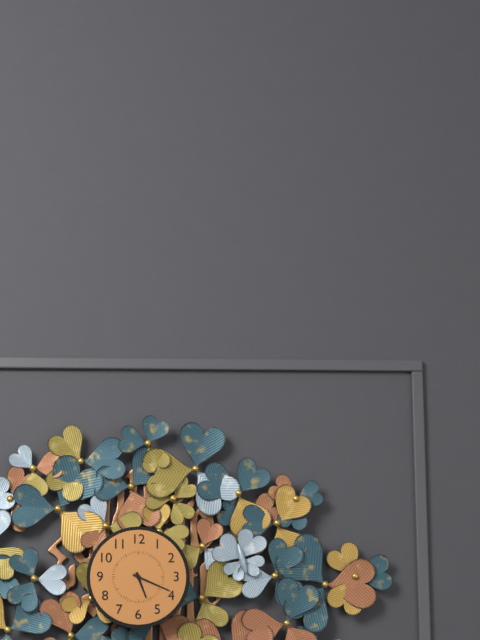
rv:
5h19
